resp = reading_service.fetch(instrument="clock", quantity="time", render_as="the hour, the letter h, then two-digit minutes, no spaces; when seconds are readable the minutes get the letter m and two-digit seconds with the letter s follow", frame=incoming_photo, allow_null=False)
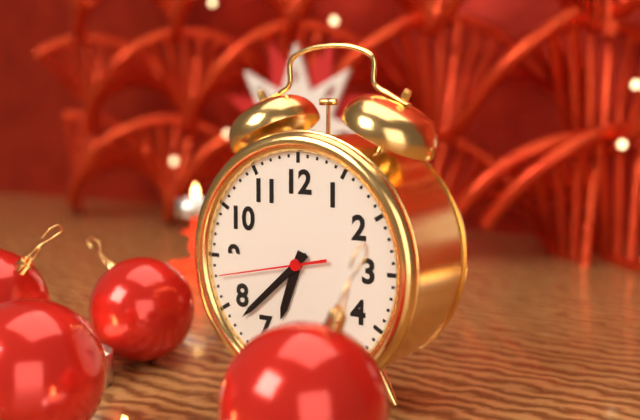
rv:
6h38m43s
